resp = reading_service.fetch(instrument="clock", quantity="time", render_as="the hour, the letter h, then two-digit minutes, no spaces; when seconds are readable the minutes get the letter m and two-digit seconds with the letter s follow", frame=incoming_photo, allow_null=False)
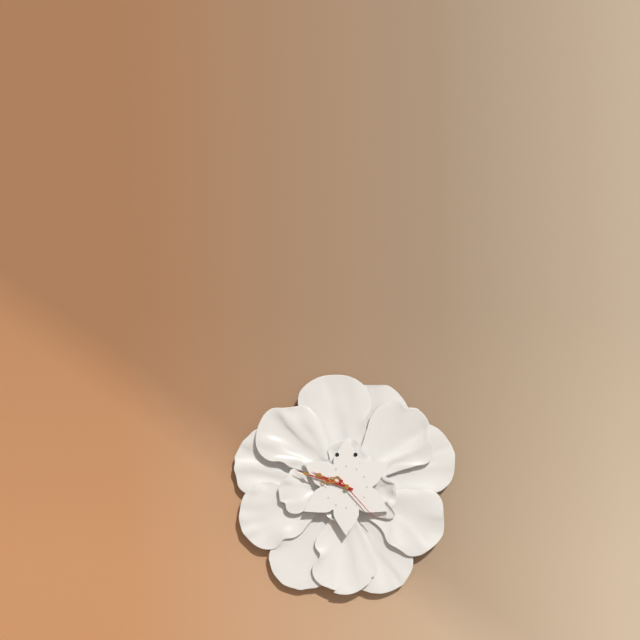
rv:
9h48m23s
